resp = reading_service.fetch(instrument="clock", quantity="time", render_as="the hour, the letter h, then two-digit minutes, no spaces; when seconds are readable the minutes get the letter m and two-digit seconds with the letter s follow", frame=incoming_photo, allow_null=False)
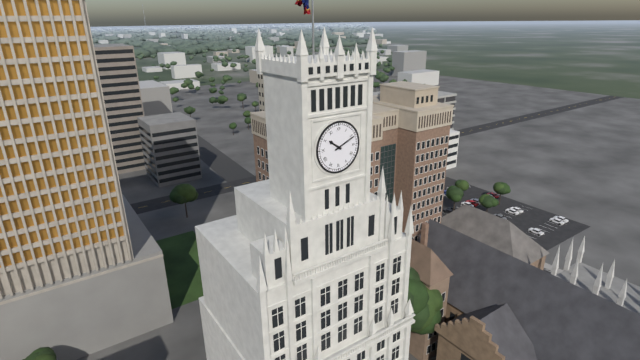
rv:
10h11
